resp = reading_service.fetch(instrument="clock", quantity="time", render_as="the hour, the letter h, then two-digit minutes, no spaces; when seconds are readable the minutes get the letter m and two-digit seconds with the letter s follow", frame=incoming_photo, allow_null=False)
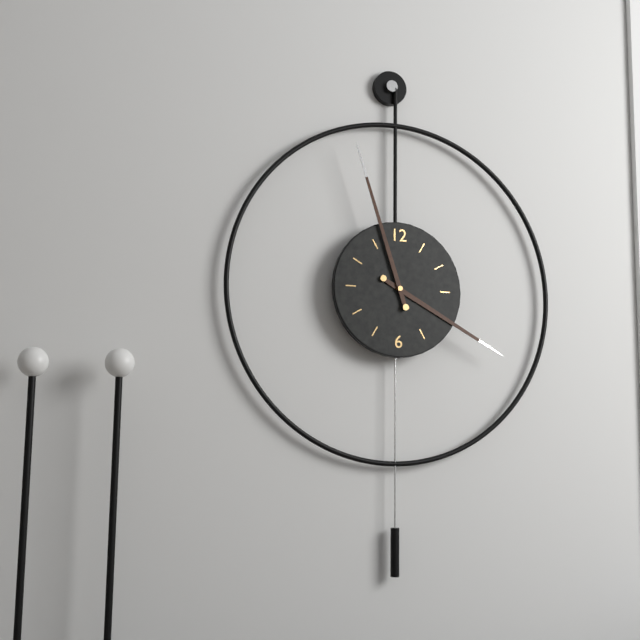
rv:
3h57
